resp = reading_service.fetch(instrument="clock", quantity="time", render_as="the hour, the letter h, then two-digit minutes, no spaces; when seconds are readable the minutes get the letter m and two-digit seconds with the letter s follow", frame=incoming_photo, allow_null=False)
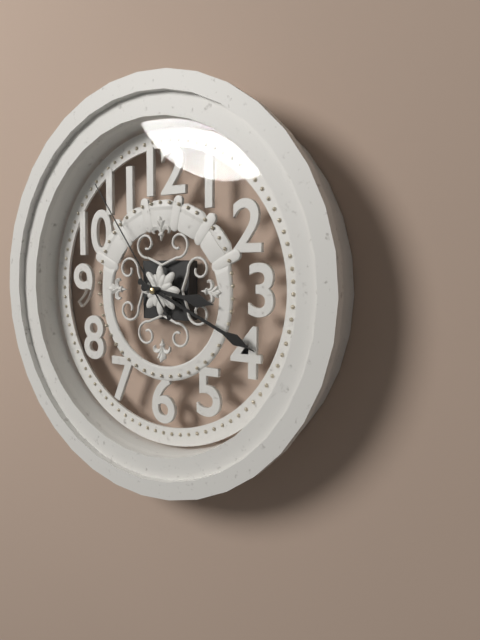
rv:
3h19m54s
